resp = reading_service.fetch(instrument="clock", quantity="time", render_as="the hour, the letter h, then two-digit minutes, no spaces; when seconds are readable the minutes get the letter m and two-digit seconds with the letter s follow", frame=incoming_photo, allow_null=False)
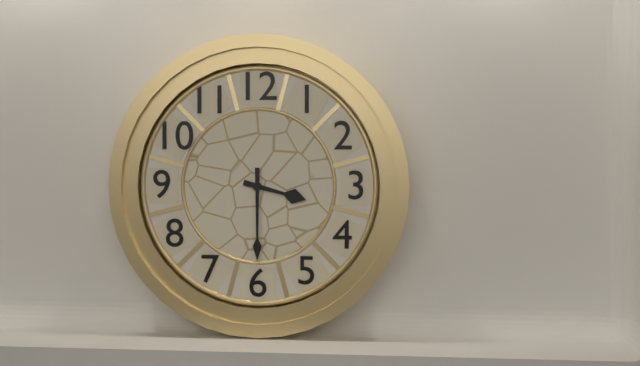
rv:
3h30
